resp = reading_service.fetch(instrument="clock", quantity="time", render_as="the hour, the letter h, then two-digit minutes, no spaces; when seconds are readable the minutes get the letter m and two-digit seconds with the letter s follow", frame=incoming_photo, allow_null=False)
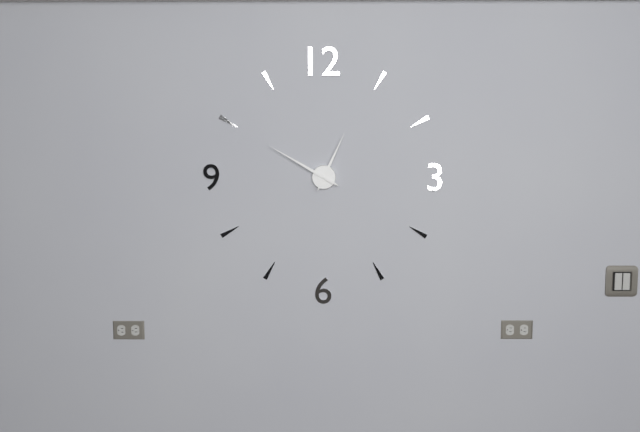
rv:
12h50
